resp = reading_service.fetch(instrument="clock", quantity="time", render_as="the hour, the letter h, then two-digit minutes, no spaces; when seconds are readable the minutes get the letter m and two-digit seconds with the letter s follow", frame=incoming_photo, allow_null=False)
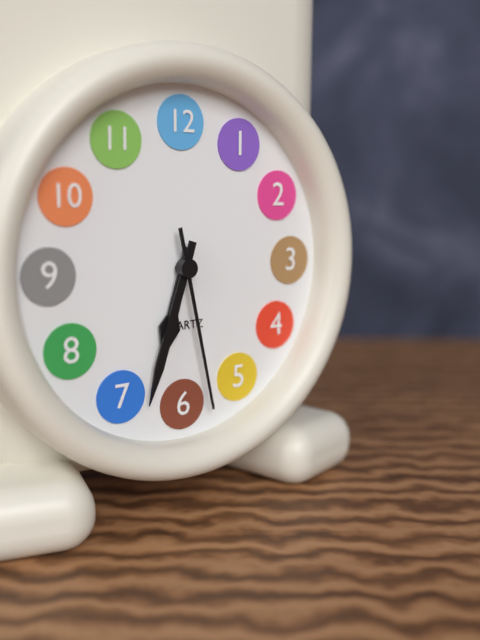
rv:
6h33m28s
